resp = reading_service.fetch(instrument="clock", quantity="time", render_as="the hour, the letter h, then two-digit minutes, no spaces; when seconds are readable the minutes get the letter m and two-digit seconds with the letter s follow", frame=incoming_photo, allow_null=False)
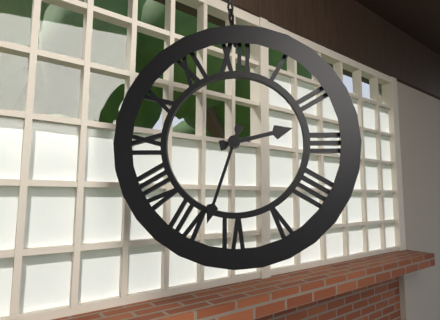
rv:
2h33
